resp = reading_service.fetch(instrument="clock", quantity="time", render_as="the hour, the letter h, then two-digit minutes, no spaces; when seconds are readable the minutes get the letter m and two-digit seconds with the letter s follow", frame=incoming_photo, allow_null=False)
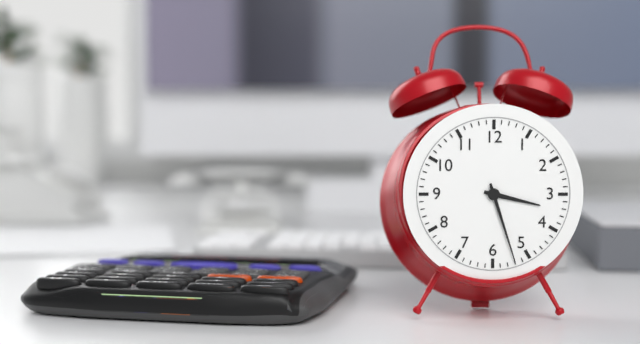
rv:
3h27
